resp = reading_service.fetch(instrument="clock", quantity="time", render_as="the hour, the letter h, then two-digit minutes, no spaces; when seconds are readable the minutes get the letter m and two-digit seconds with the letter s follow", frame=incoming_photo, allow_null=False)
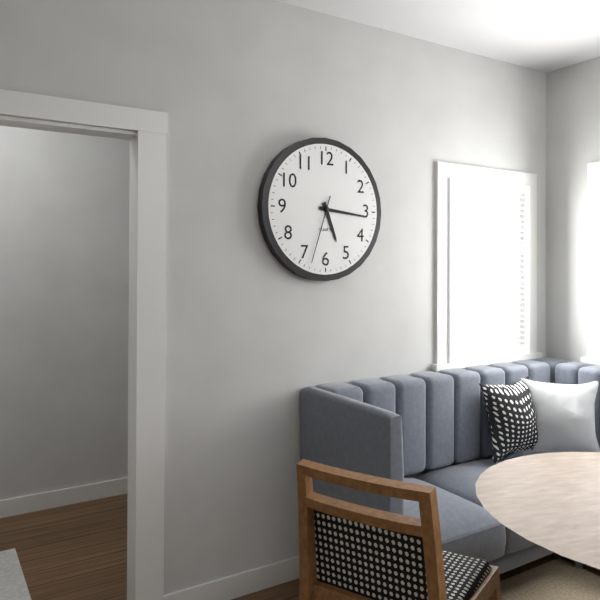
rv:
5h16m33s
